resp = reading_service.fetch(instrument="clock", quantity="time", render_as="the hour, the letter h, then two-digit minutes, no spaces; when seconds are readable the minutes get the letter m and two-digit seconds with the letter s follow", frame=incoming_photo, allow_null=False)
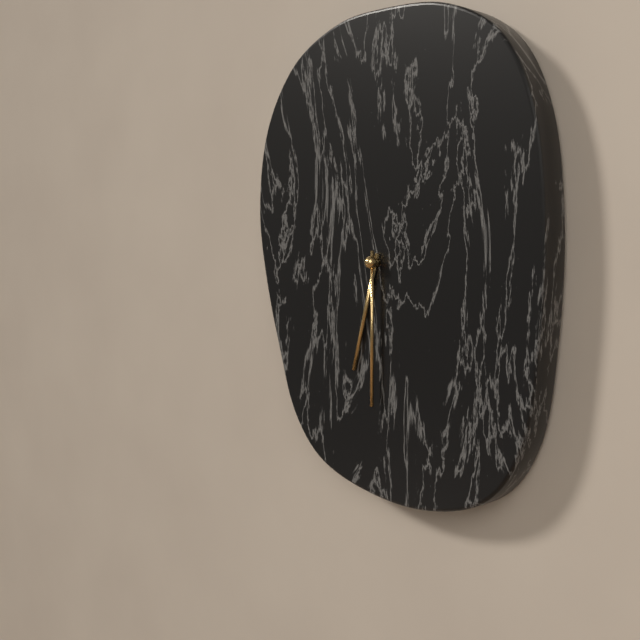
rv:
6h30
